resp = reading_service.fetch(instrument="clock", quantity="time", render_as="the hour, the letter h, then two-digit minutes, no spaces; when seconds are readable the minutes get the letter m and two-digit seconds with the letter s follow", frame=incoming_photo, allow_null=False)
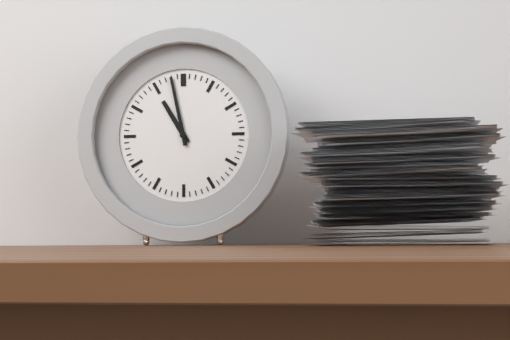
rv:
10h58
